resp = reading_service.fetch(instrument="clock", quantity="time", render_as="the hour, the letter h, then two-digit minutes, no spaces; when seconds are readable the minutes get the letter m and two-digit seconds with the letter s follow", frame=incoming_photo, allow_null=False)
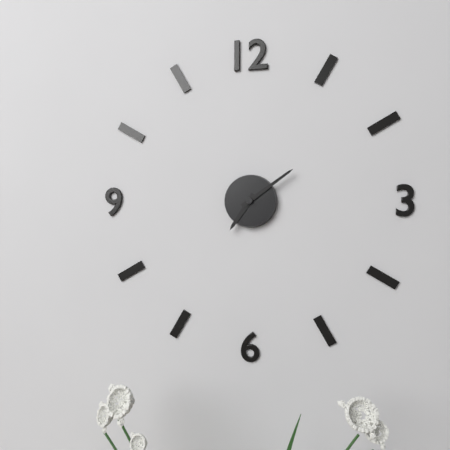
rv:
7h09
